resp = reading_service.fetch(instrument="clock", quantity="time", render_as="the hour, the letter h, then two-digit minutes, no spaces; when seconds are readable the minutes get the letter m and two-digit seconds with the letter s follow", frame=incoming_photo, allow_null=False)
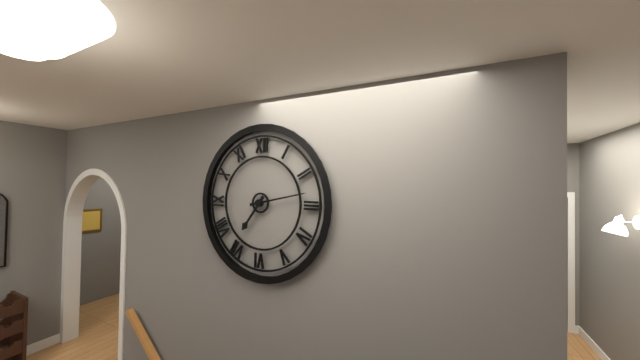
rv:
7h13
